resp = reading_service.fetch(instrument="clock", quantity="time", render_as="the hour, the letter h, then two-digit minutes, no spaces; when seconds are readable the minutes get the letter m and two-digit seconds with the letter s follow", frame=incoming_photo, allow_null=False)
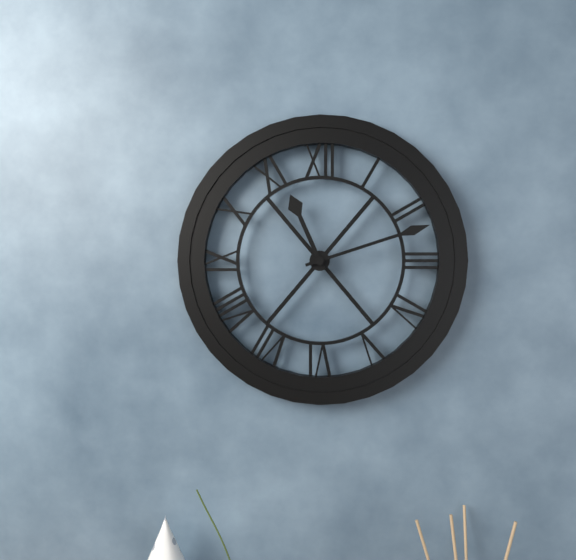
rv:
11h12
